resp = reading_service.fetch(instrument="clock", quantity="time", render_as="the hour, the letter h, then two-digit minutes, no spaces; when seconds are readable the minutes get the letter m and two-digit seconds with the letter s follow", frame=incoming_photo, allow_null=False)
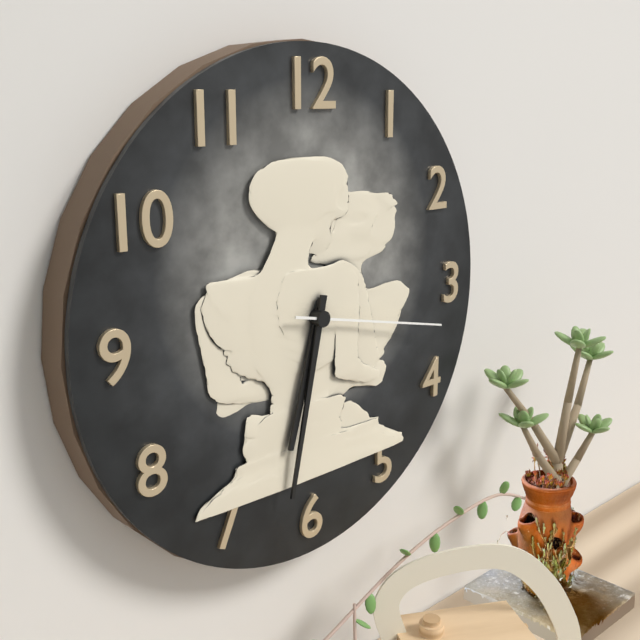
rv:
6h32m17s
